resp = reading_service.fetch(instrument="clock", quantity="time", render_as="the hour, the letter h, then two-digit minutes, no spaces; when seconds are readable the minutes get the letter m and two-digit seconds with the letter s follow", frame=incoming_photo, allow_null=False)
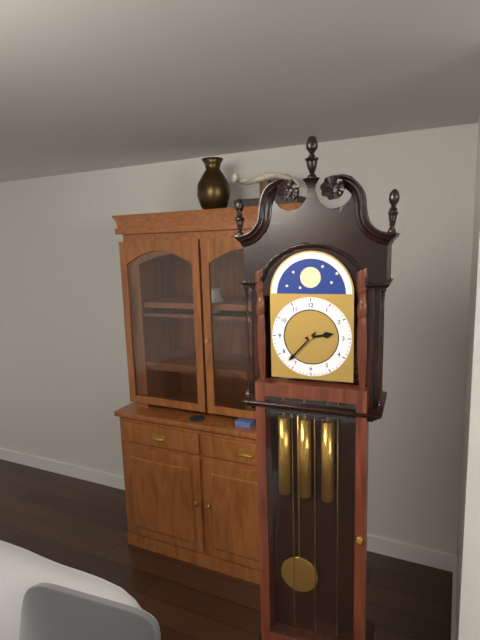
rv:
2h37
